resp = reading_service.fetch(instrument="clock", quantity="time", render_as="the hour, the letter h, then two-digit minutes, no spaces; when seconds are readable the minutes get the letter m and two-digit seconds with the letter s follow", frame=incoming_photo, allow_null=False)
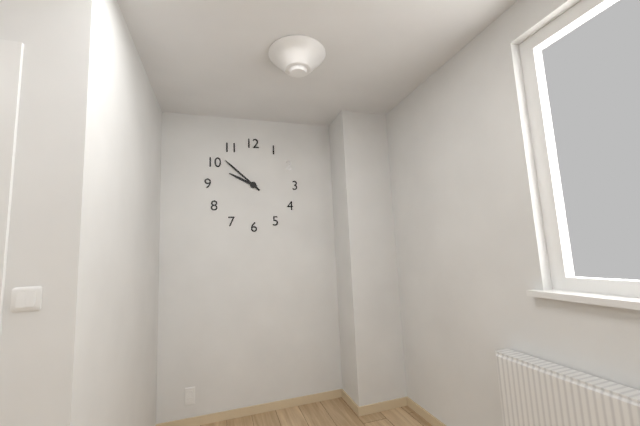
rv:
9h52
